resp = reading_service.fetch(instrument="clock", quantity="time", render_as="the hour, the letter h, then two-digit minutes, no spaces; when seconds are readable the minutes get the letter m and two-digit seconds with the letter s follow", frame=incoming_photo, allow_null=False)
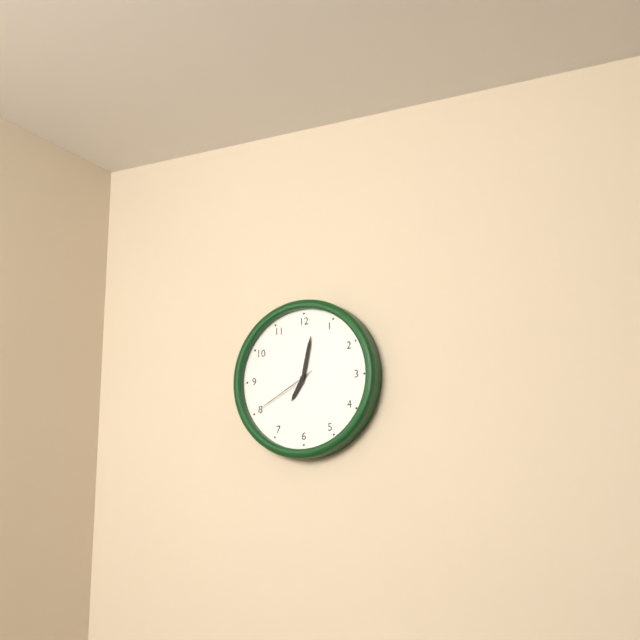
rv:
7h02m40s
